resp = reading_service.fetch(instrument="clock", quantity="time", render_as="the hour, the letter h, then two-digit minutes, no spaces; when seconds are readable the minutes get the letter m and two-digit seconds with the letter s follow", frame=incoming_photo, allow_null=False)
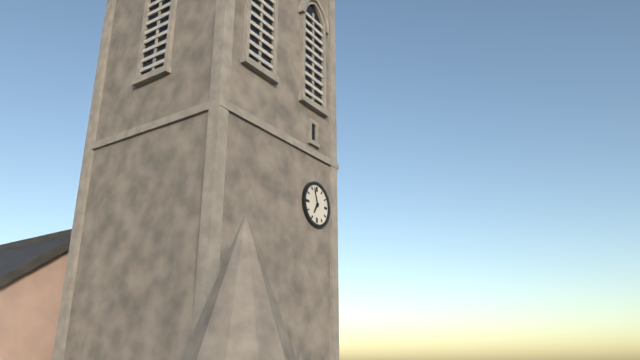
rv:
6h57
